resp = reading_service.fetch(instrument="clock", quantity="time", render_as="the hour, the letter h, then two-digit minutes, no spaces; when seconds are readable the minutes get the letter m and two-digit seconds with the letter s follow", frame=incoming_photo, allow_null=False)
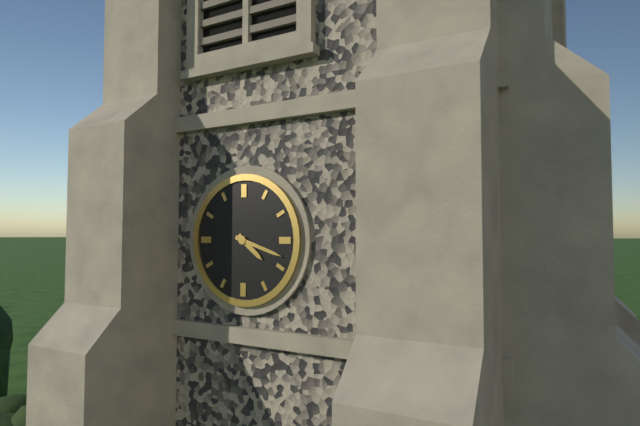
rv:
4h18
